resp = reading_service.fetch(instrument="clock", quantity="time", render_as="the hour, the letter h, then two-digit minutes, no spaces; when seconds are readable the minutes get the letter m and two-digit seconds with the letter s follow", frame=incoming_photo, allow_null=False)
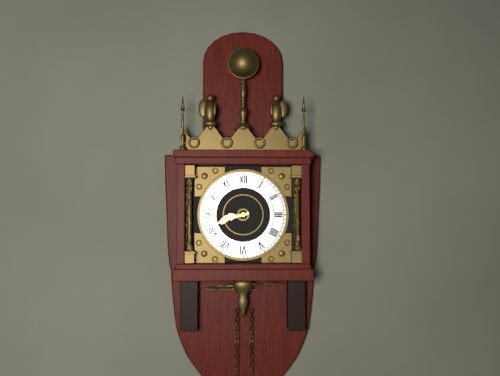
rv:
8h42
